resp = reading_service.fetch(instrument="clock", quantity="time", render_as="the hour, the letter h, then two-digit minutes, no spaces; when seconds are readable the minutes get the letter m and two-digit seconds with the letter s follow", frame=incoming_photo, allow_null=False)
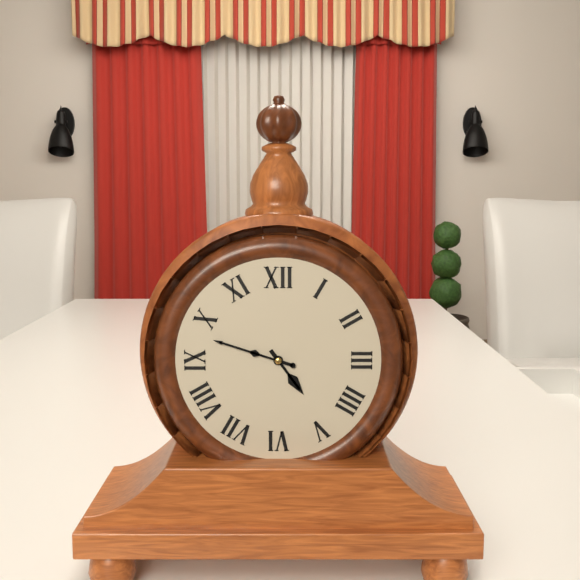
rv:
4h48
